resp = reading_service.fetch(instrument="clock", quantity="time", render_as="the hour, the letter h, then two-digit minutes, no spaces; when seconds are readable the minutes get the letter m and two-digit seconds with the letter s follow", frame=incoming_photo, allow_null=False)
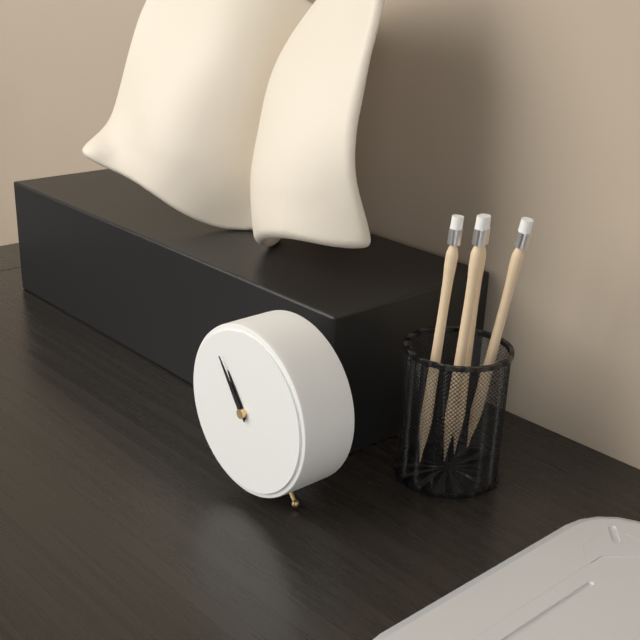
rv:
10h54
